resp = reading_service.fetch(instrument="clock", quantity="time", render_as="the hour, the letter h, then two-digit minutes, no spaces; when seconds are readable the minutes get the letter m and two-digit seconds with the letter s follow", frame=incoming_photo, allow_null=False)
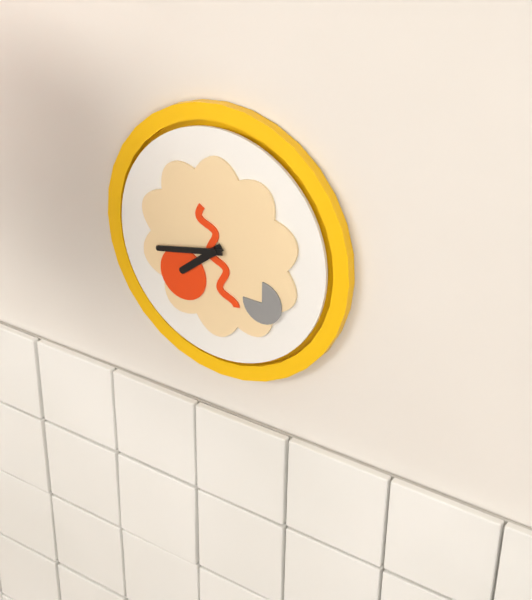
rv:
7h43
